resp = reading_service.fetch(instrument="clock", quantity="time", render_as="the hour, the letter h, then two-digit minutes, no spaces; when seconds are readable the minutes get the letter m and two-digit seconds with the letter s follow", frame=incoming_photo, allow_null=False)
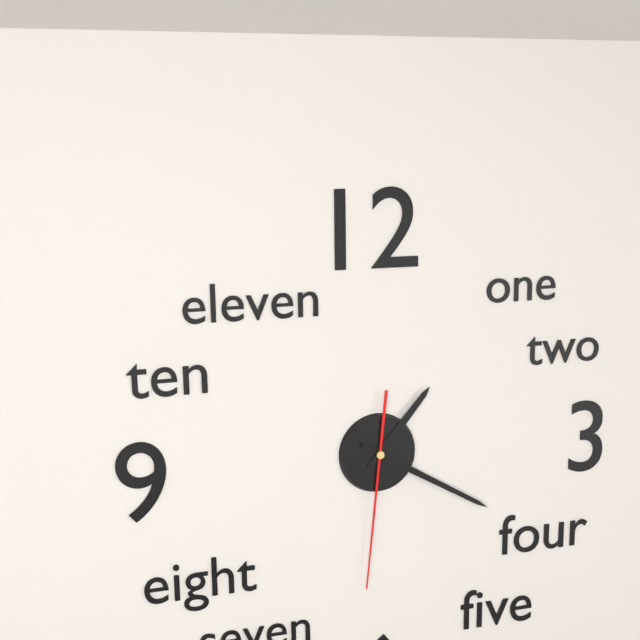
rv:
1h20m31s
